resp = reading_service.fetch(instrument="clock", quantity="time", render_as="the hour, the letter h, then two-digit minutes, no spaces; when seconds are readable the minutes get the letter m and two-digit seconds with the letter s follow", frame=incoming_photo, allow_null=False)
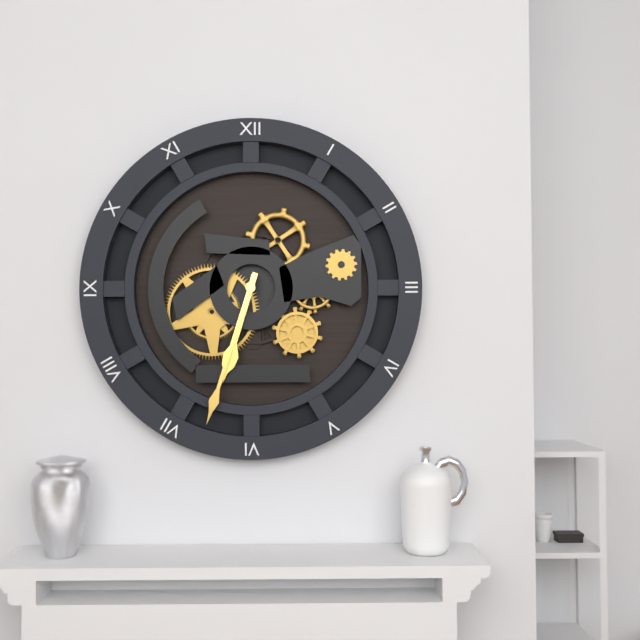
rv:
6h33
